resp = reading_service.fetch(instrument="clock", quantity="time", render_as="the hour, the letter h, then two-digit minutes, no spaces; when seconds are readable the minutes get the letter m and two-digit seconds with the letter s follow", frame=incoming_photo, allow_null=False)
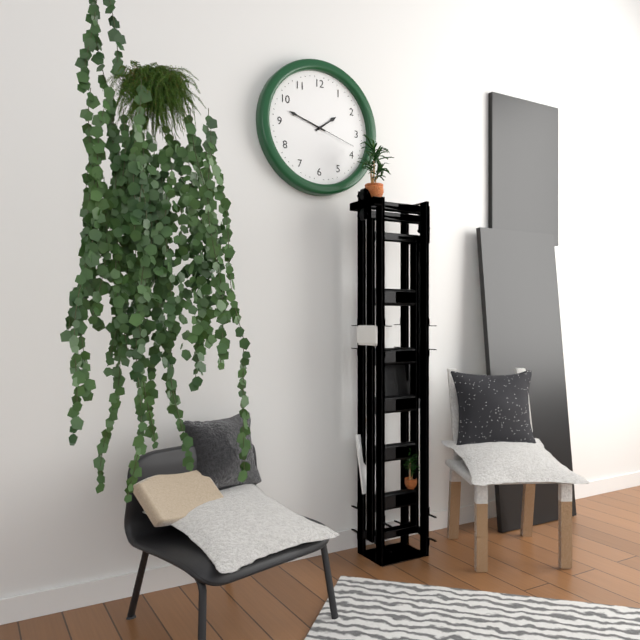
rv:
1h48m18s
